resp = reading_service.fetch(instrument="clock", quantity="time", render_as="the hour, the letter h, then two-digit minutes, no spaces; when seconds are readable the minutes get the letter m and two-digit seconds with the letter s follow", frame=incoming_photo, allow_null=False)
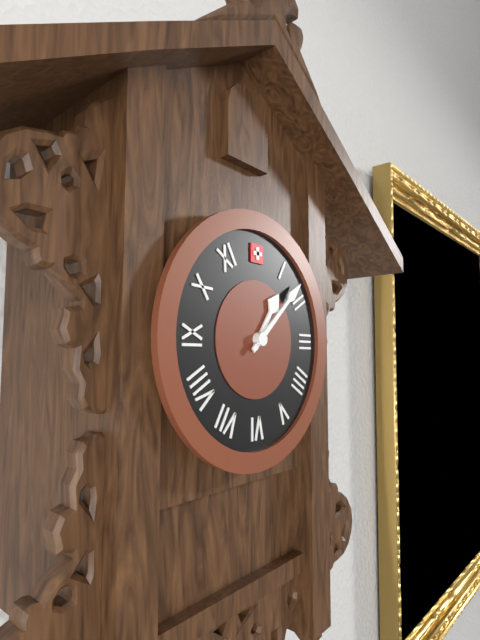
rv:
1h08
